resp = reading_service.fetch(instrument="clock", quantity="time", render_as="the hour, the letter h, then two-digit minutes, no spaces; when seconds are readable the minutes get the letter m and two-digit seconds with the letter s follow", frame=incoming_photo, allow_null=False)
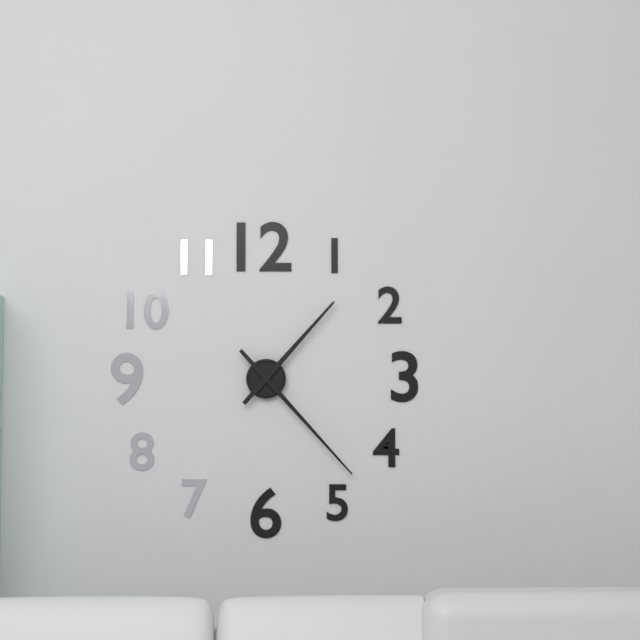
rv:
1h23
